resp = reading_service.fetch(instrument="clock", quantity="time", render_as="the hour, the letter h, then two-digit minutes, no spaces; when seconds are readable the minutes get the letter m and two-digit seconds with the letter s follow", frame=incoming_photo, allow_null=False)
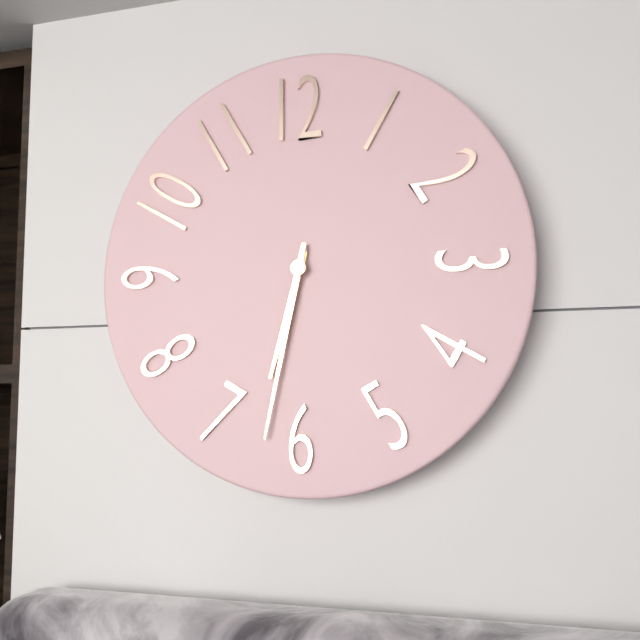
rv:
6h32
